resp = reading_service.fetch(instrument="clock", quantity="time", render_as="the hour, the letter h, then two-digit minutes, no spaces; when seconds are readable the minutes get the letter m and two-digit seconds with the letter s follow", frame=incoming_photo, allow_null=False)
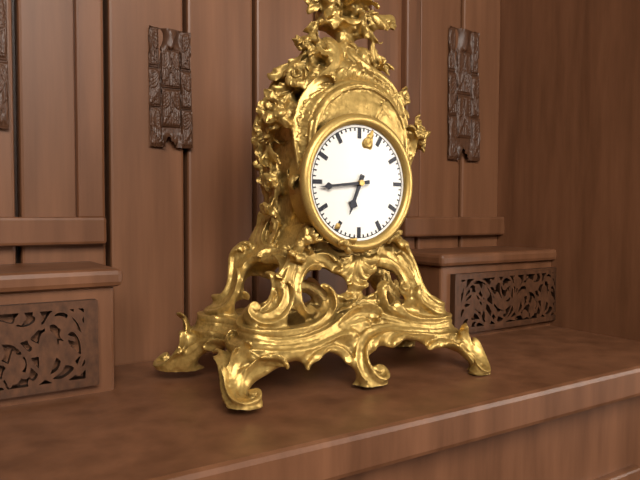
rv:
6h44
